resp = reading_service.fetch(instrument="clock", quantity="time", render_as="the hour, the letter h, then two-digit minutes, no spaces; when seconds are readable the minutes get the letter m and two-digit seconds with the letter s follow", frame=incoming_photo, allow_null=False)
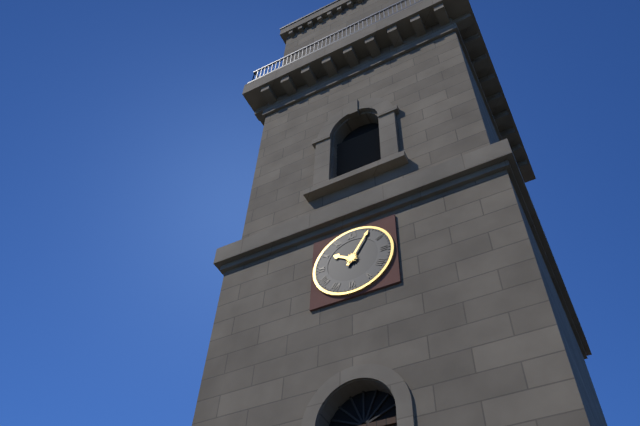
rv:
10h05
